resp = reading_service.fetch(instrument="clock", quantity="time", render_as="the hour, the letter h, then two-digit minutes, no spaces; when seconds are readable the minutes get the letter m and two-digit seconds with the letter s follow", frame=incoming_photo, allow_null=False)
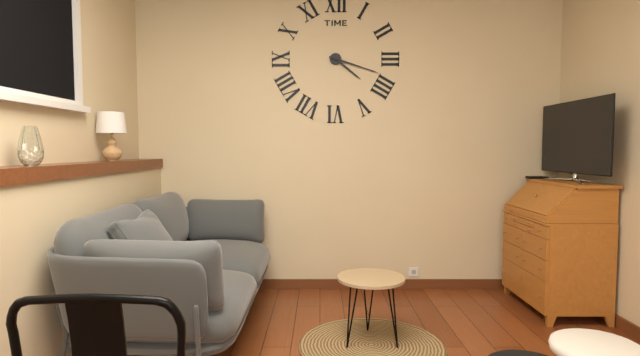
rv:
4h18
